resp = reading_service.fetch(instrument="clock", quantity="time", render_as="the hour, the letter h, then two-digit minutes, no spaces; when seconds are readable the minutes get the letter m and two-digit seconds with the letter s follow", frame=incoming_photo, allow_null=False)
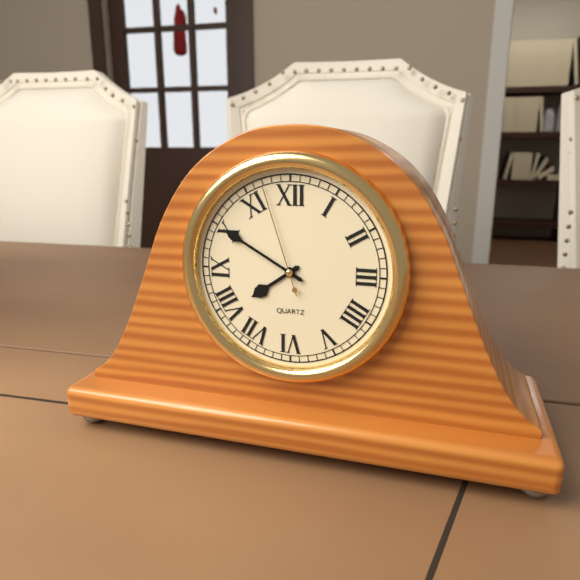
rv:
7h50m57s
